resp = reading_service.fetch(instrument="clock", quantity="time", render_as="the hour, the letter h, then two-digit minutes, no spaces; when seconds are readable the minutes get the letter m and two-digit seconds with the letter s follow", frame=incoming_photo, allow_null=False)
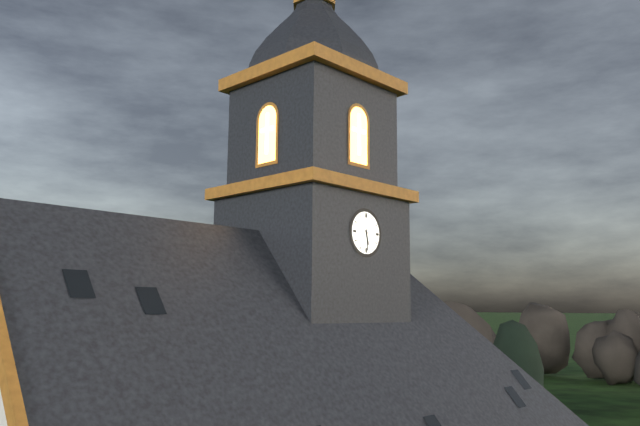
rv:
5h29
